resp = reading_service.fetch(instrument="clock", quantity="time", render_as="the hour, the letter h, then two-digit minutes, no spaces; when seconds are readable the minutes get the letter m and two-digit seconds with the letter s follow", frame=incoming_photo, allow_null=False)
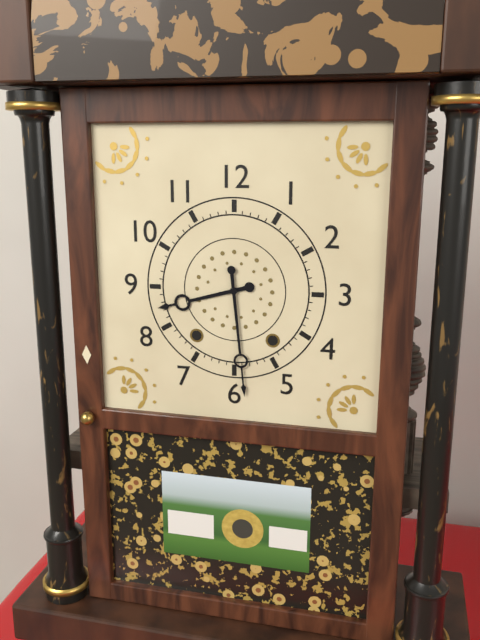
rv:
8h29
